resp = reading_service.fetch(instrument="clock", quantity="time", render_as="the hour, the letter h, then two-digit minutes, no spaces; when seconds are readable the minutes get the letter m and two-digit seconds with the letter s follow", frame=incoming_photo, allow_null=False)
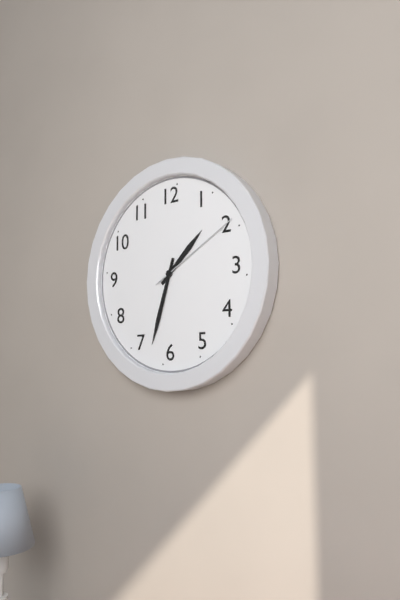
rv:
1h33m10s
